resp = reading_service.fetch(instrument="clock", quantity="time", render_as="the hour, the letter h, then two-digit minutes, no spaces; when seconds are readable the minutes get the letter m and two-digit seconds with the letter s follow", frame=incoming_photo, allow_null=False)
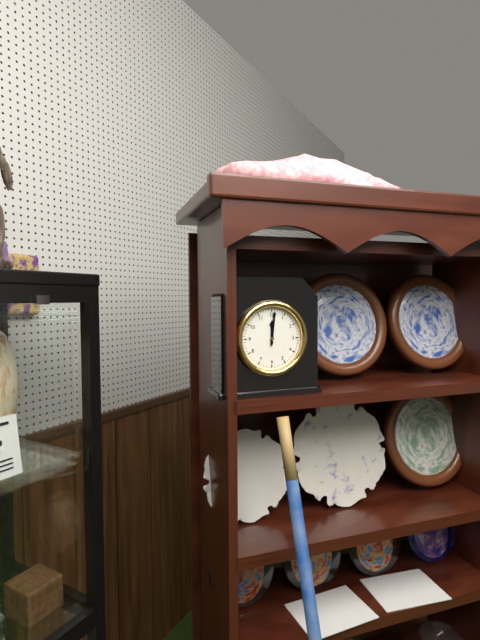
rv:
12h01
